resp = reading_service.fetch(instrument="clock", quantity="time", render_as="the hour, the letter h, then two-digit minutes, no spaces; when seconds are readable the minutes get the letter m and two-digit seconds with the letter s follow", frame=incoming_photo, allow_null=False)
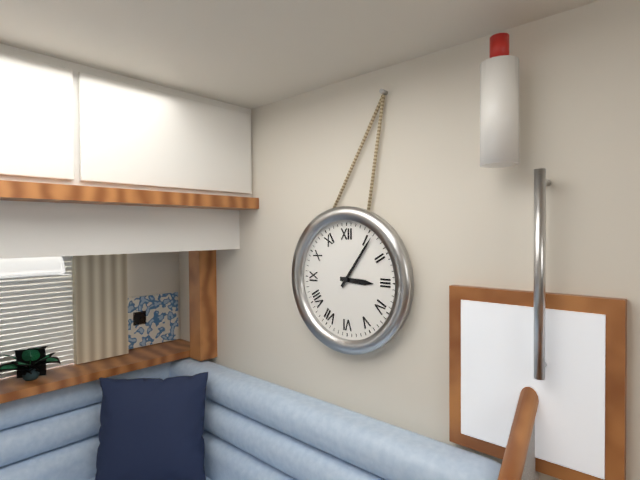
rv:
3h06
